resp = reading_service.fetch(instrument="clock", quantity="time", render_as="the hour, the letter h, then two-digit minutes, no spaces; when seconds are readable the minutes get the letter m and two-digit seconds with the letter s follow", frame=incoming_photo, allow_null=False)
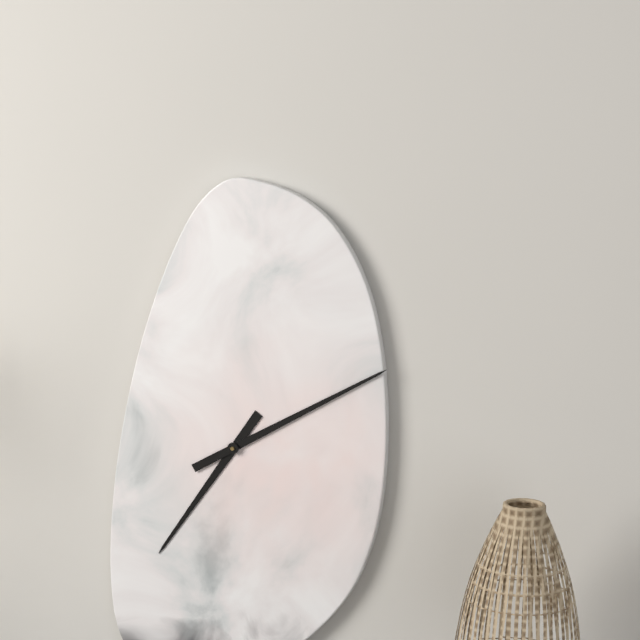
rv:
7h10
